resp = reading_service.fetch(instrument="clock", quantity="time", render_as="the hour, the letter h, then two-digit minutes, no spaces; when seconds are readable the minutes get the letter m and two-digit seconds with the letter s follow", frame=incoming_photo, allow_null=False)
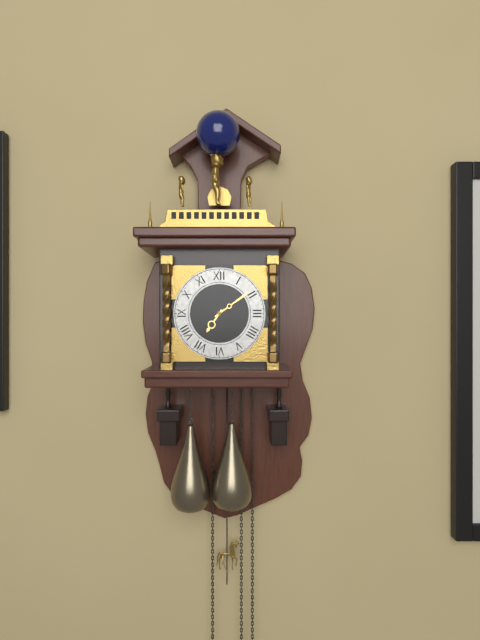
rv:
7h09
